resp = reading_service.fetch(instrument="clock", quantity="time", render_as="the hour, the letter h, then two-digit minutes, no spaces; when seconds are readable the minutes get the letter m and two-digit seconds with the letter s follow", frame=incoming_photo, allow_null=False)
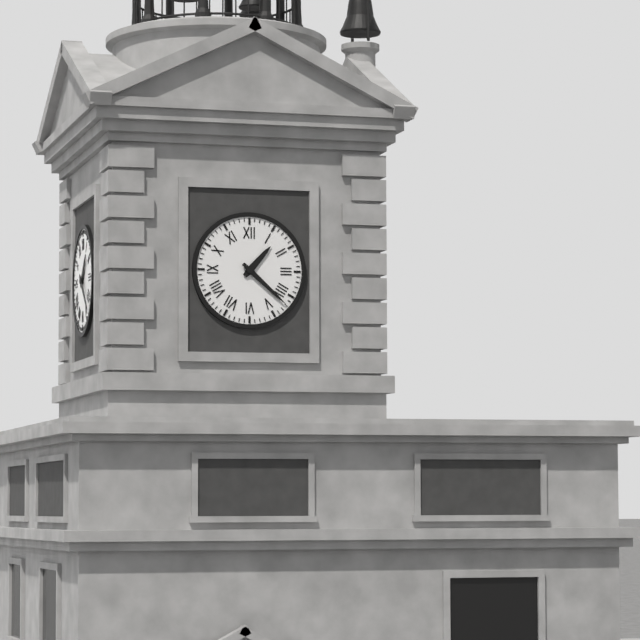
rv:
1h22
